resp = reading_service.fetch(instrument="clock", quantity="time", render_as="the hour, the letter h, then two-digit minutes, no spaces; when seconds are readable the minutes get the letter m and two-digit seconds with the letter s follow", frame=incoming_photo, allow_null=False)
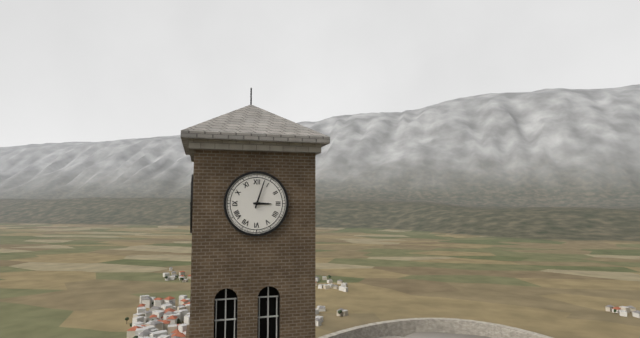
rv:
3h03
